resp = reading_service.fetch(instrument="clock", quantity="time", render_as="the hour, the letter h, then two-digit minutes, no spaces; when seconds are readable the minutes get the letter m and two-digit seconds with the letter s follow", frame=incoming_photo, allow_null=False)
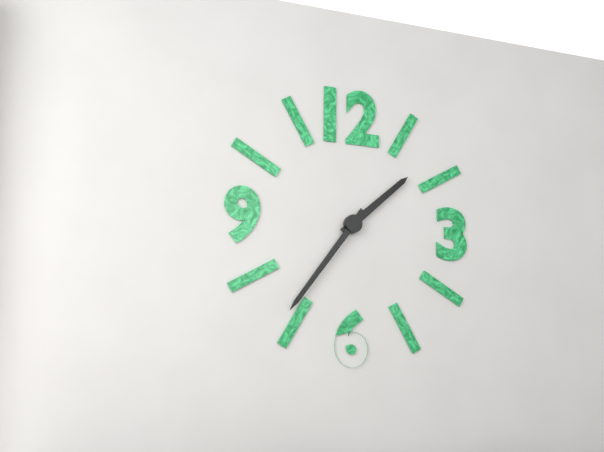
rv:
1h36
